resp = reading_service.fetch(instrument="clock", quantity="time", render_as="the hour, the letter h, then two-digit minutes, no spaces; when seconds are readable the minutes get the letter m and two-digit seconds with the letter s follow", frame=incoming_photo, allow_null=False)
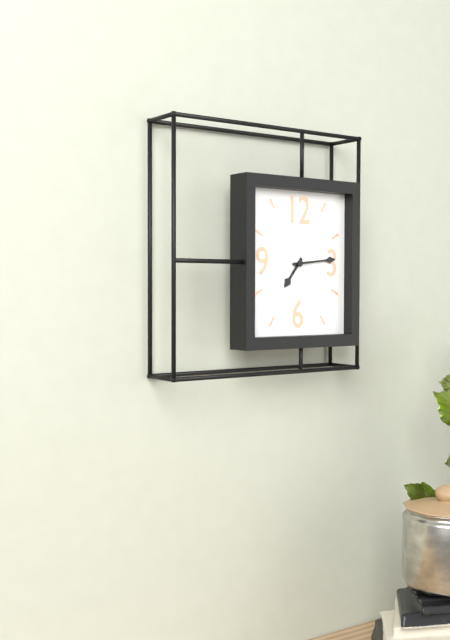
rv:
7h14
